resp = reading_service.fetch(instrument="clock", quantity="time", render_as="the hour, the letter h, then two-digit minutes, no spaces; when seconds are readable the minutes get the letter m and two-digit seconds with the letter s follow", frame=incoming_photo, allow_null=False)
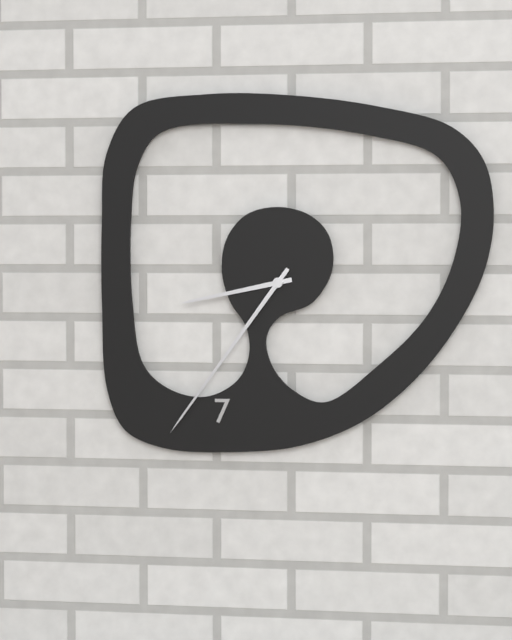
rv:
8h36
